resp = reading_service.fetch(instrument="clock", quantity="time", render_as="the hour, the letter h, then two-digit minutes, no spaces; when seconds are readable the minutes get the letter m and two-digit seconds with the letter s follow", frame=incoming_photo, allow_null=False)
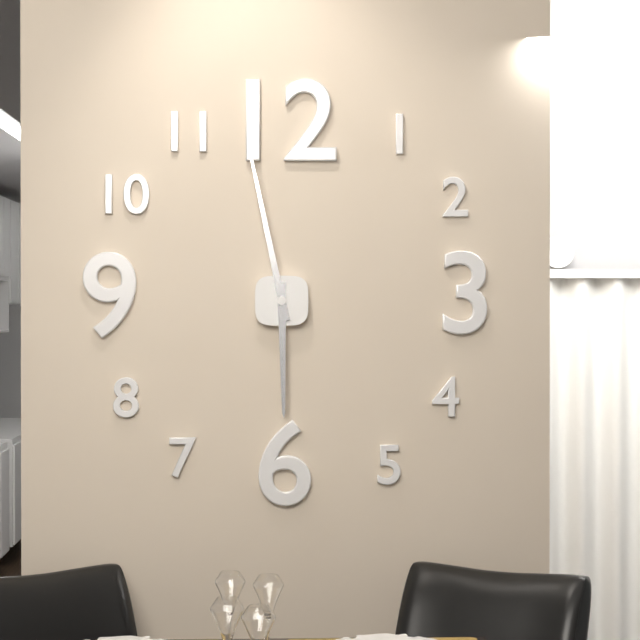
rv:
5h58
